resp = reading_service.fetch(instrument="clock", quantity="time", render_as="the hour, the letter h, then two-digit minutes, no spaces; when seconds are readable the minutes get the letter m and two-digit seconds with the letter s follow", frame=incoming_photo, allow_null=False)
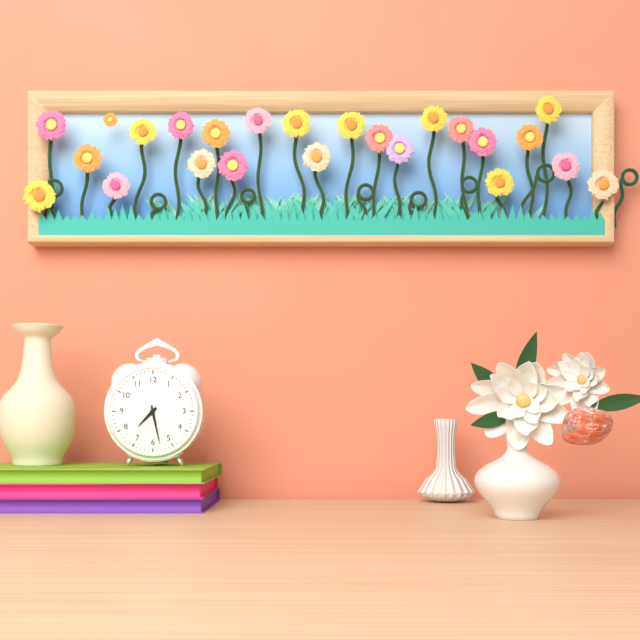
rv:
7h28
